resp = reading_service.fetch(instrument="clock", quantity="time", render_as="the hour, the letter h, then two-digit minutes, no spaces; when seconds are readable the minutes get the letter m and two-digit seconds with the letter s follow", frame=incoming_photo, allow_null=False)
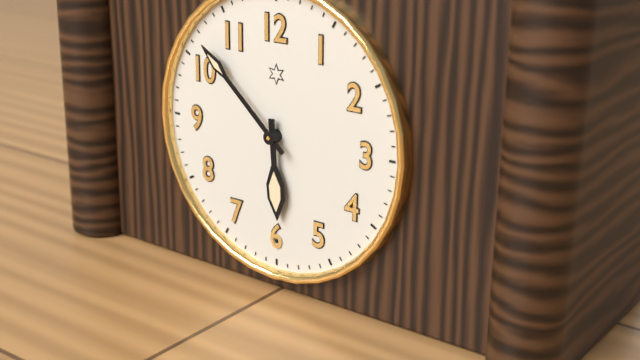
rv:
5h52
